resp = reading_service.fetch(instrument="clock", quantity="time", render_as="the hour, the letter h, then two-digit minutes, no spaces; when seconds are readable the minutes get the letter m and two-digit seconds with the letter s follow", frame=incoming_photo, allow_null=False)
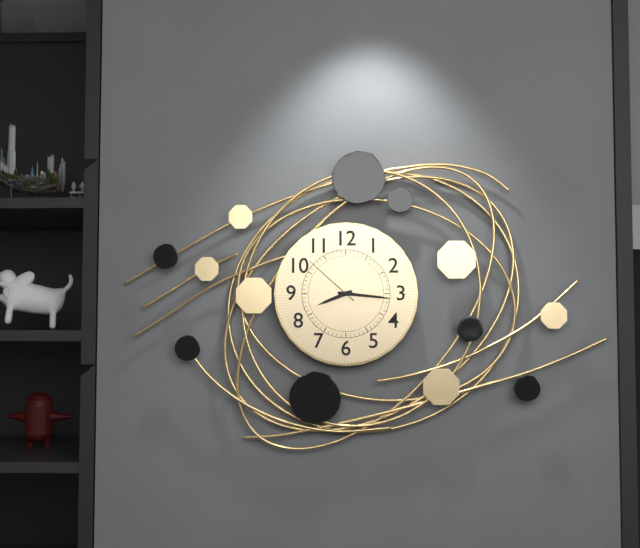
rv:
8h16m52s
